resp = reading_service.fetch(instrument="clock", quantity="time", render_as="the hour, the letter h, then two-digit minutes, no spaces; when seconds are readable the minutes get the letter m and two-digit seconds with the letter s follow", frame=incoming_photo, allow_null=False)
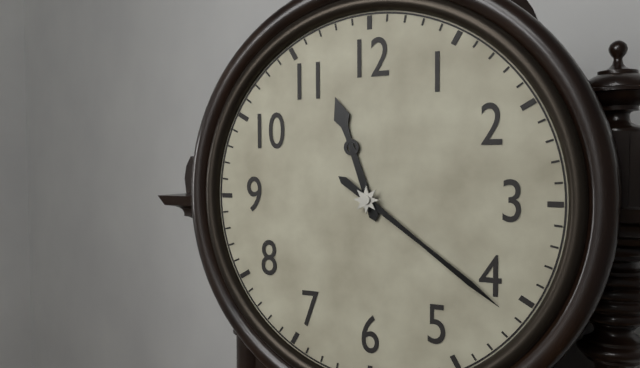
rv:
11h21
